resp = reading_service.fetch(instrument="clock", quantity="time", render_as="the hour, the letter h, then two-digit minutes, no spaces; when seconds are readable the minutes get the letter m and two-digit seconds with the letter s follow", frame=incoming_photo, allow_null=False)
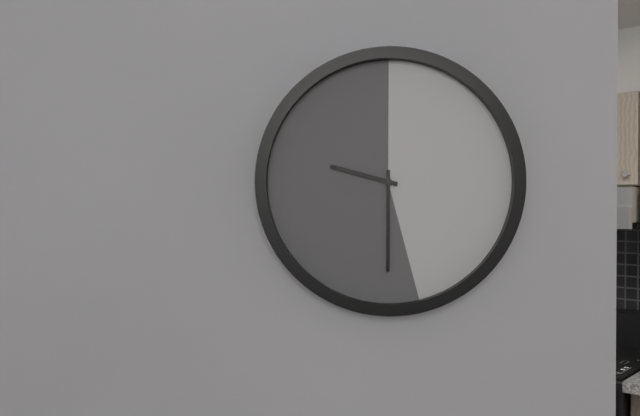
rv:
9h30
